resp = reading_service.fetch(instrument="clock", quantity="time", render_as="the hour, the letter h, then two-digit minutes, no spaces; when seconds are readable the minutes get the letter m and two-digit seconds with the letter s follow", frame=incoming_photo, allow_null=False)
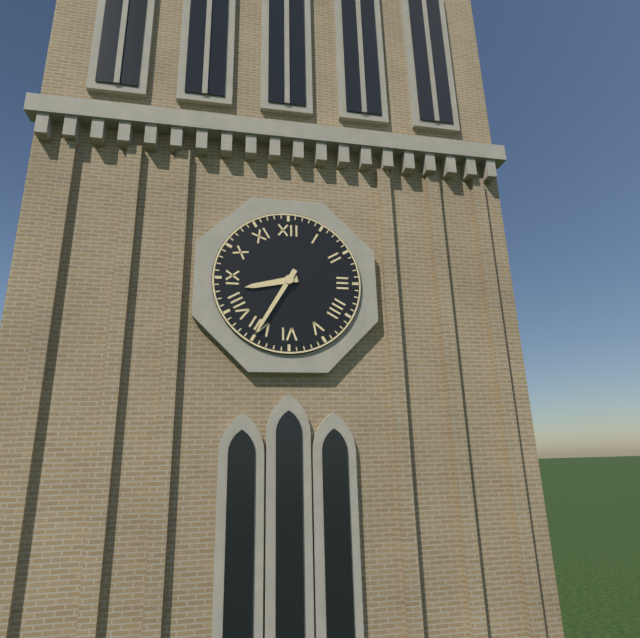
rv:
8h35
